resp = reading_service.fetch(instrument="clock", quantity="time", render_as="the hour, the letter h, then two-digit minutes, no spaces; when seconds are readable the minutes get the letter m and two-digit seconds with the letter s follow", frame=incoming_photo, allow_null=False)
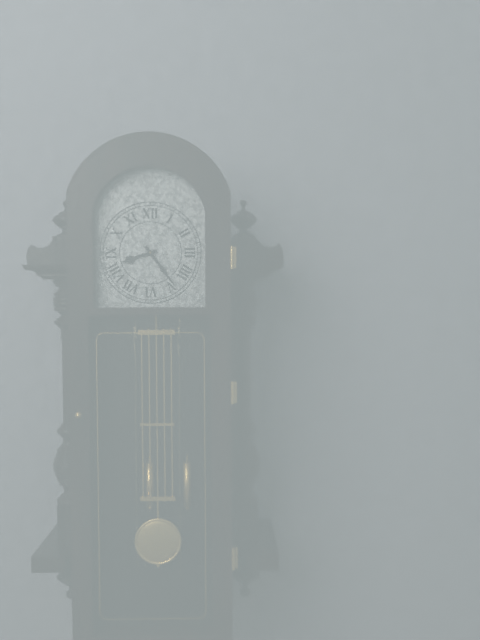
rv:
8h24
